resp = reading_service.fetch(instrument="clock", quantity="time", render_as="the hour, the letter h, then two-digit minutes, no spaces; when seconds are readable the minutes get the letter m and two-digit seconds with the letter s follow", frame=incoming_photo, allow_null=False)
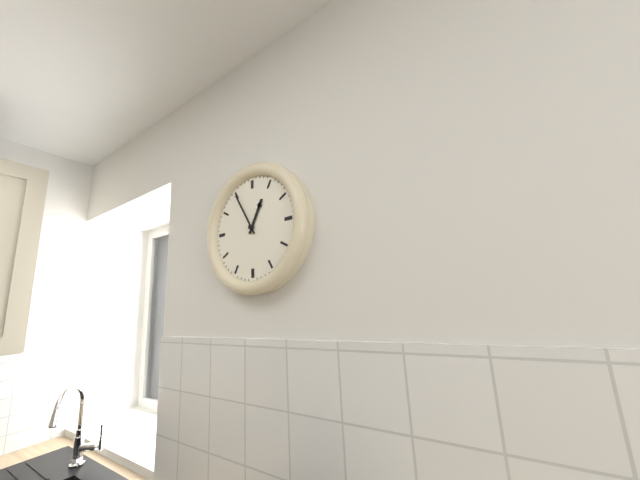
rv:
12h55
